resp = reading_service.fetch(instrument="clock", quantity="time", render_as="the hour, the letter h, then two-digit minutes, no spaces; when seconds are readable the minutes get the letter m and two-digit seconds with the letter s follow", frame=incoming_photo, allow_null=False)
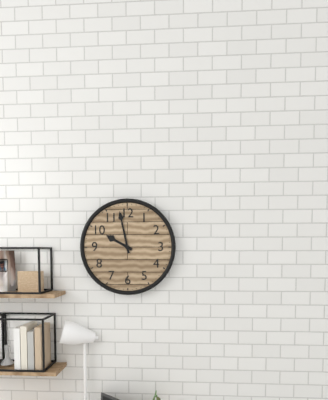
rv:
9h58
